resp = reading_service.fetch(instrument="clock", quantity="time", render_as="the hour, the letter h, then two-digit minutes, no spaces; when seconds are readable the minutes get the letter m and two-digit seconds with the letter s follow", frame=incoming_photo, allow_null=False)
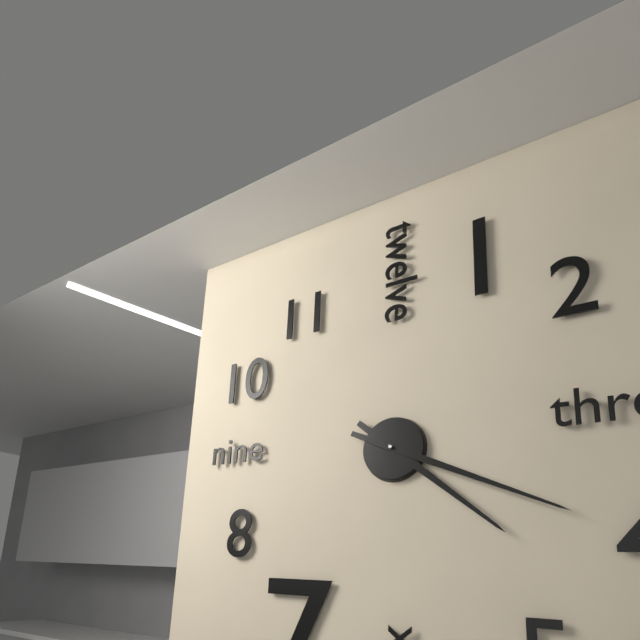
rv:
4h19
